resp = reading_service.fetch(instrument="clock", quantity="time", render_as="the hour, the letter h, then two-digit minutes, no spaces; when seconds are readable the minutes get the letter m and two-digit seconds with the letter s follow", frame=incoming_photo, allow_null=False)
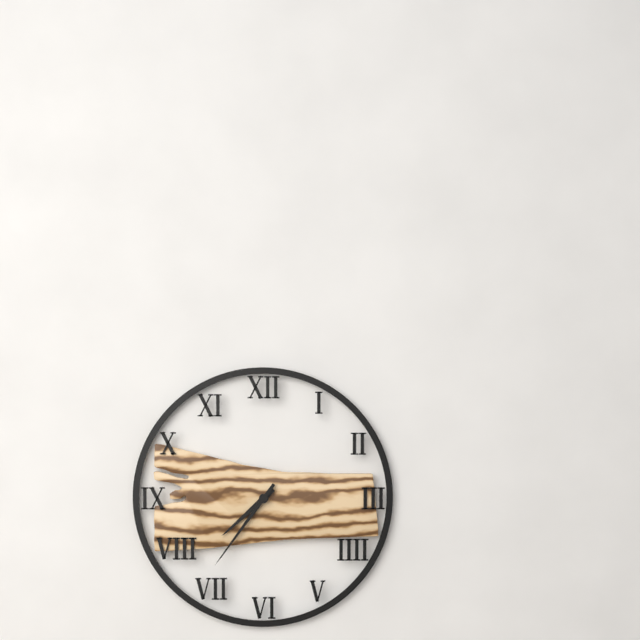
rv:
7h36
